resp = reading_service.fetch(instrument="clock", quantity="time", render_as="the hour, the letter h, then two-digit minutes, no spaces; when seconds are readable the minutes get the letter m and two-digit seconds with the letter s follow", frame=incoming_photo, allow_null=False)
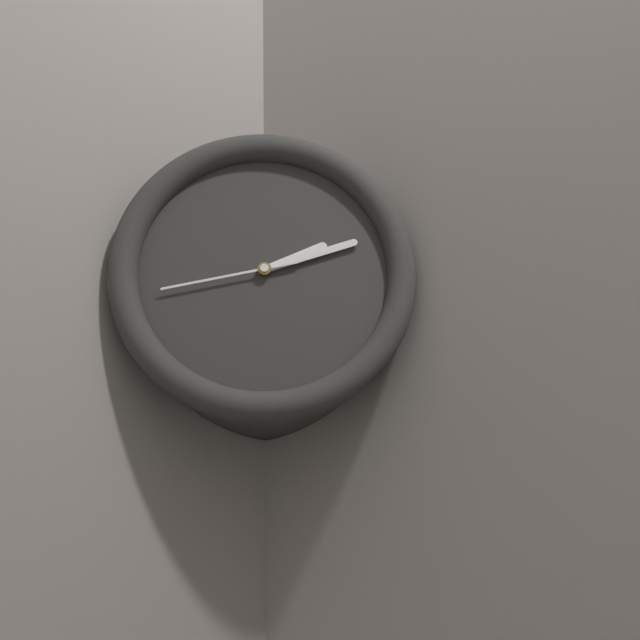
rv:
2h12m43s
